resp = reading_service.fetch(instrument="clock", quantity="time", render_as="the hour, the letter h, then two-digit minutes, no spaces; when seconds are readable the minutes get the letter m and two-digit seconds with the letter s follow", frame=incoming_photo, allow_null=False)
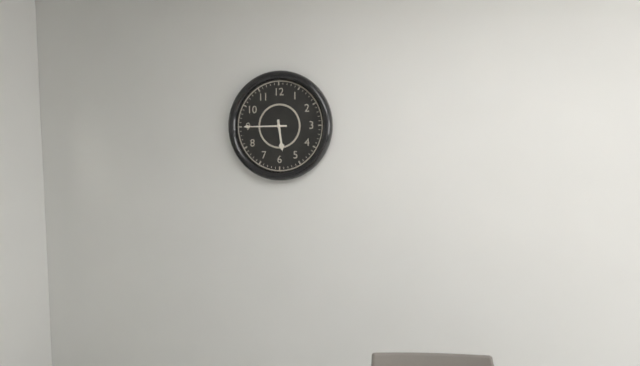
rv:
5h45
